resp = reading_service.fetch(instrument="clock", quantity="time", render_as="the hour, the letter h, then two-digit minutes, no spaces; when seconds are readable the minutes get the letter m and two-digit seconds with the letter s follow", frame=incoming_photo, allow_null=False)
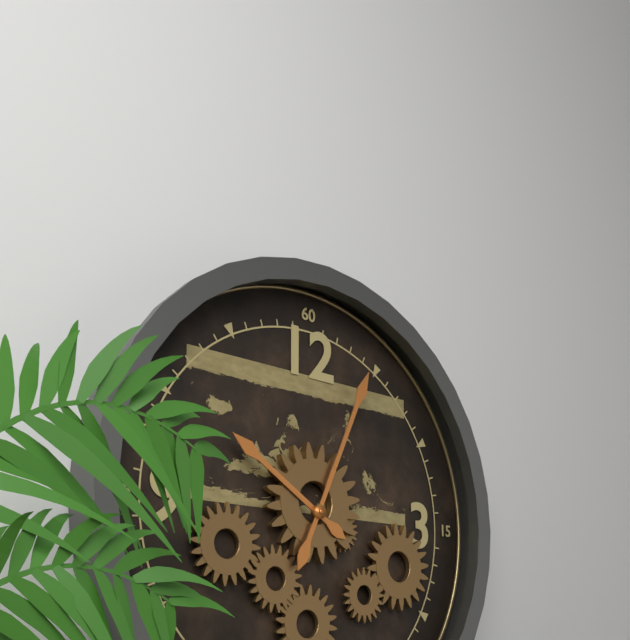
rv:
10h04
